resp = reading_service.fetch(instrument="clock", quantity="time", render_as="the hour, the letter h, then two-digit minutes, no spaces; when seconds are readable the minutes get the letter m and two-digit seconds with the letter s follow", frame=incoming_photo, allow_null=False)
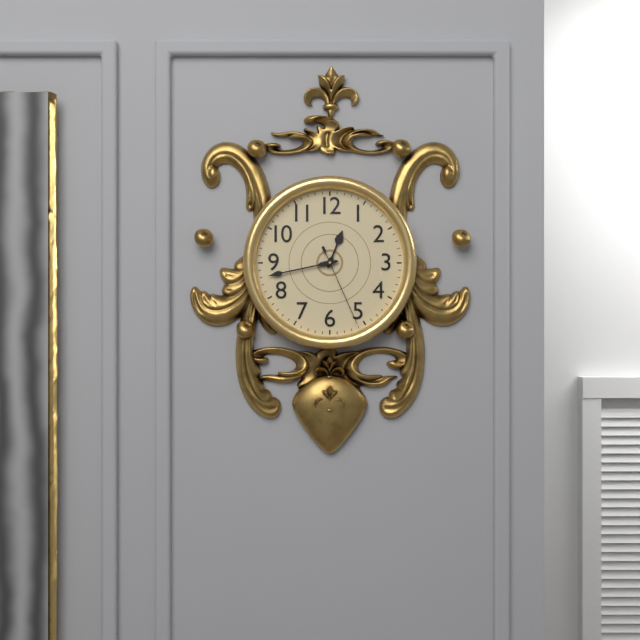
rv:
12h43m26s
